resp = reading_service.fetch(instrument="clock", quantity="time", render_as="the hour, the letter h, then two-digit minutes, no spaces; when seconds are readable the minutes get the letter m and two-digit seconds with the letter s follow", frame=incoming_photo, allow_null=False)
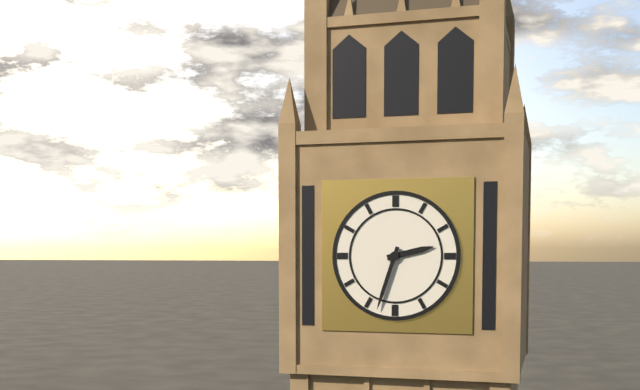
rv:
2h33
